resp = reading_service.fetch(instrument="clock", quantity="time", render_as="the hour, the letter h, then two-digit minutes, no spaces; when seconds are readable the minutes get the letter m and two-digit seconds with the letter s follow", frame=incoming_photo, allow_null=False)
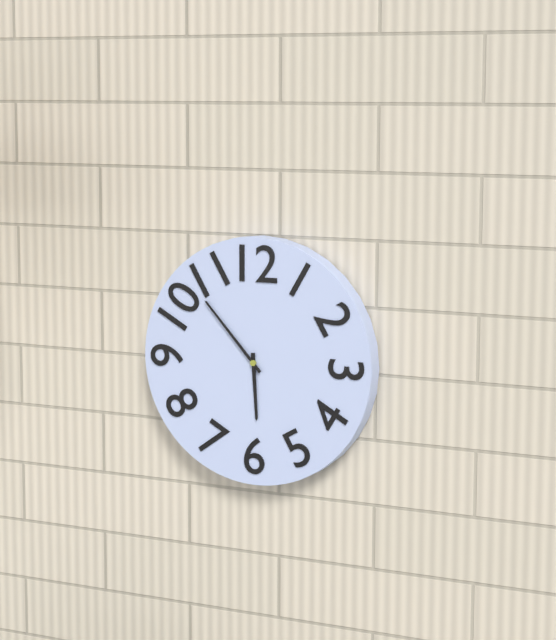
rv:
5h53
